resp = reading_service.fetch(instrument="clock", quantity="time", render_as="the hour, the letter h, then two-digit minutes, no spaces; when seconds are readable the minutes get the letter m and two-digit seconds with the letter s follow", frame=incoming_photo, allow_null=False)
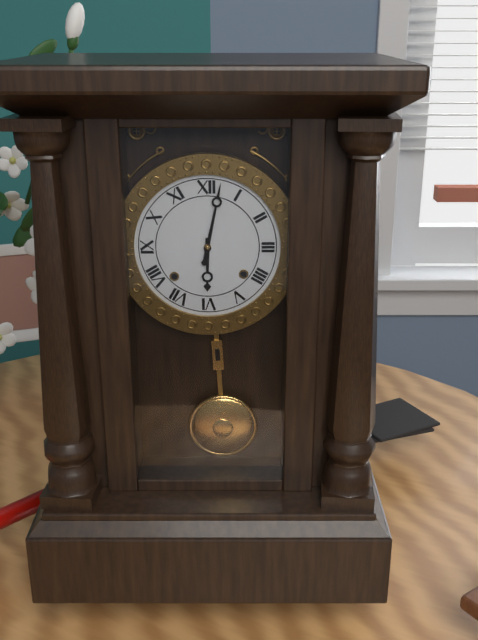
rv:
6h02
